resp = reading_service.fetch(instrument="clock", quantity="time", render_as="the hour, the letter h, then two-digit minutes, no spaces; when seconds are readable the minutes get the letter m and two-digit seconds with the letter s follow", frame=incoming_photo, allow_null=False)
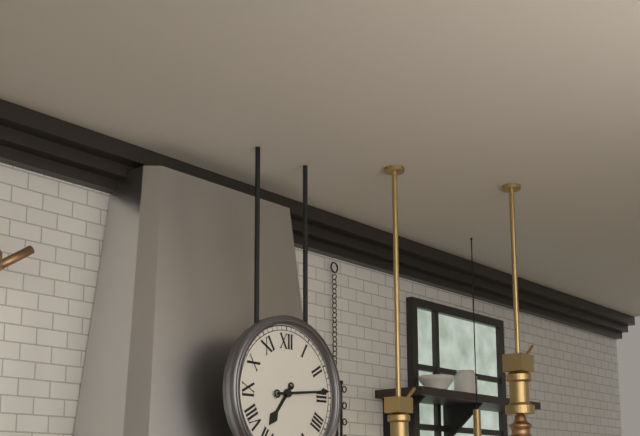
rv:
7h14
